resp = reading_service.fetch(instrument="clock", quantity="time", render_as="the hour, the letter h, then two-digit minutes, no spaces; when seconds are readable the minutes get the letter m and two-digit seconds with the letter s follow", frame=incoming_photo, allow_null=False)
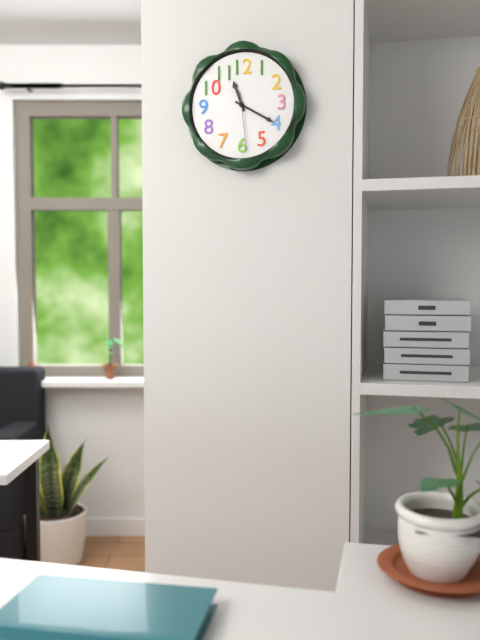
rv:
11h20m29s
